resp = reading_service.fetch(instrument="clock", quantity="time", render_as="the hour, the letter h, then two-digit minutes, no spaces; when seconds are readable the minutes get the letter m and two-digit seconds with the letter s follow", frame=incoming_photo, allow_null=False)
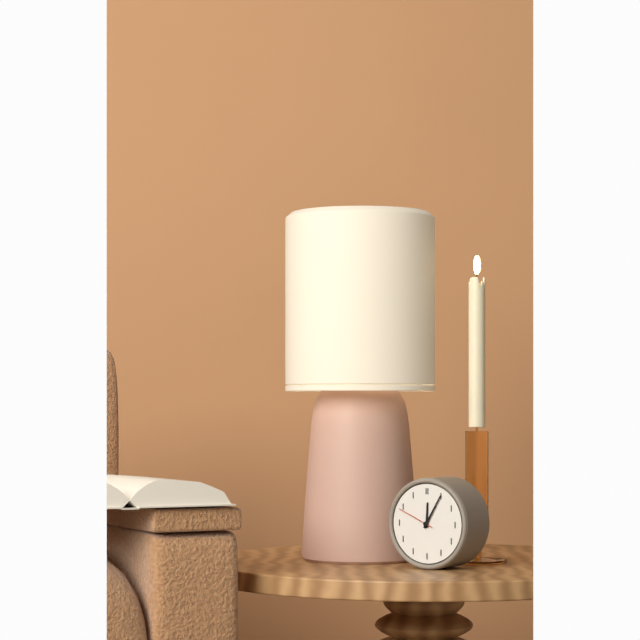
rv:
12h05
